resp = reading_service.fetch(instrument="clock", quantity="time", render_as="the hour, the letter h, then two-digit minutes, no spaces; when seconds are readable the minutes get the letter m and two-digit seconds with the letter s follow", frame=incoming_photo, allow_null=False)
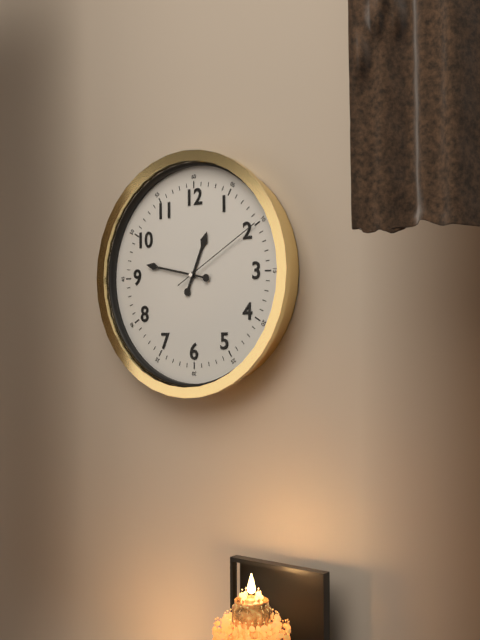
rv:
12h47m10s
